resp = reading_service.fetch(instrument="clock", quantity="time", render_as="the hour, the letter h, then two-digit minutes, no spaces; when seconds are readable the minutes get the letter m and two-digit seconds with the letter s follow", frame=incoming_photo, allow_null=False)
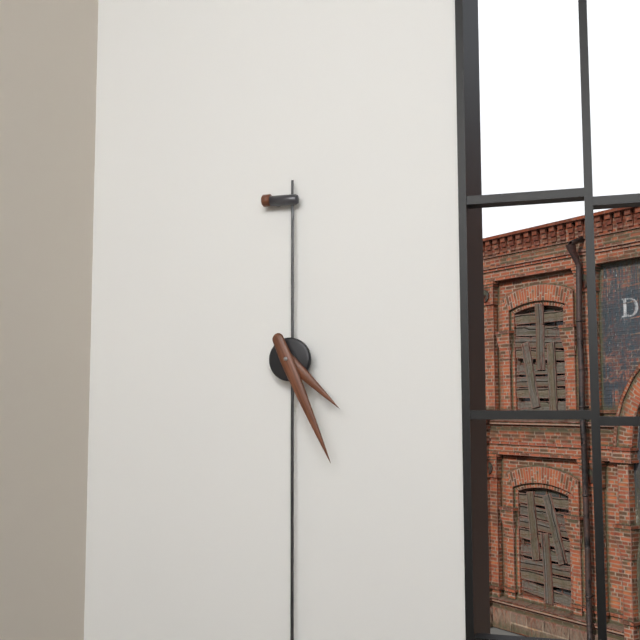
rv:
4h26
